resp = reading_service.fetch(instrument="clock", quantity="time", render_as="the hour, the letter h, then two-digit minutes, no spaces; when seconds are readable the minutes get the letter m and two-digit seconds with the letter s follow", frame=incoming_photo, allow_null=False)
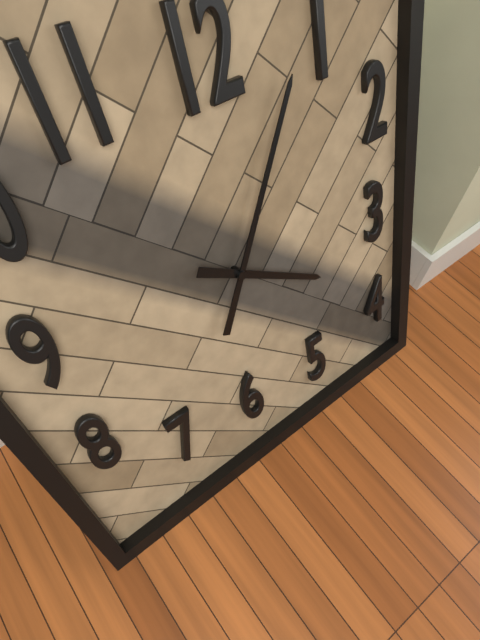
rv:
4h05
